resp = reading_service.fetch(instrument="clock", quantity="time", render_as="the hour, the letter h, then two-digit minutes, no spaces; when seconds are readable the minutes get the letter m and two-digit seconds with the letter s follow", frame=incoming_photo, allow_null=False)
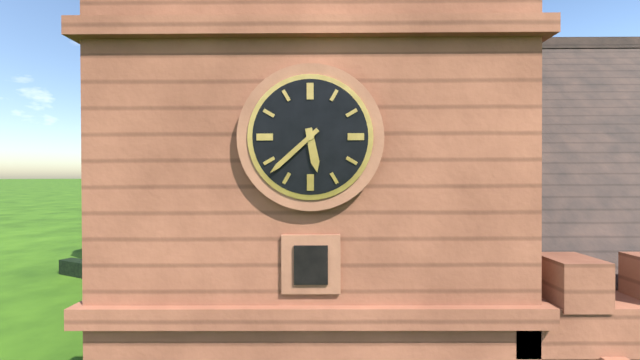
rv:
5h38
